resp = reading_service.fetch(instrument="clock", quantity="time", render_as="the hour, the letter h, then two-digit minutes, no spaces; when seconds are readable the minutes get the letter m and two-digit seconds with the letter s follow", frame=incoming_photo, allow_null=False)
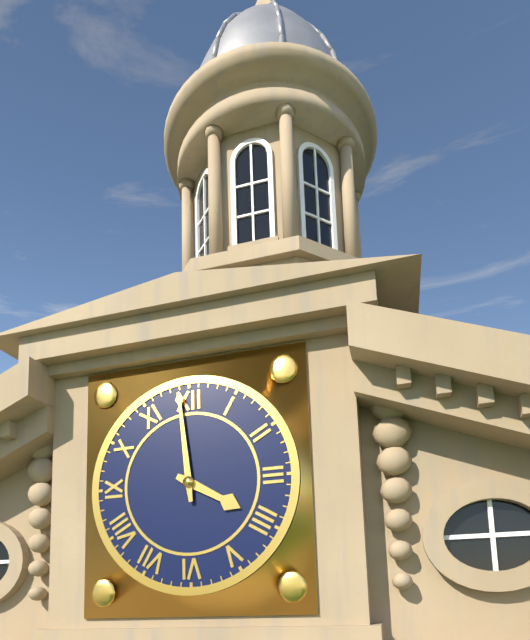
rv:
3h59
